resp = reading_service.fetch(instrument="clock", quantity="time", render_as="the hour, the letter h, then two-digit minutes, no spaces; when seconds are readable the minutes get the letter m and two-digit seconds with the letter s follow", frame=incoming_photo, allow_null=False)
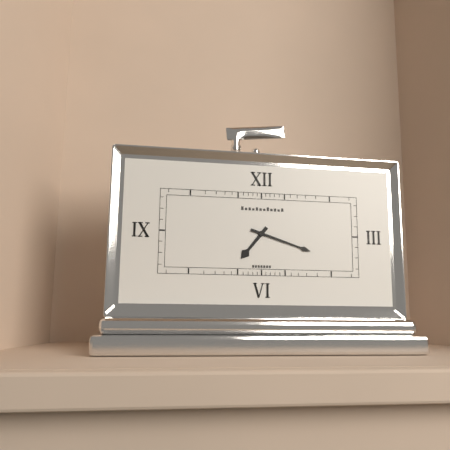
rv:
7h18
